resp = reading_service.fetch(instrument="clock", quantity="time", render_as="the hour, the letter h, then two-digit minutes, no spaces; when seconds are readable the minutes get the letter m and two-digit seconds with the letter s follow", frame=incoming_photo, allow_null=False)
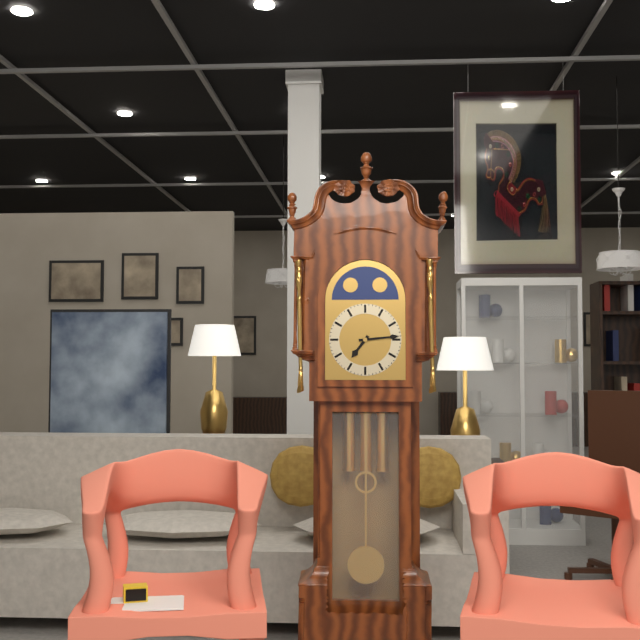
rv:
7h14
